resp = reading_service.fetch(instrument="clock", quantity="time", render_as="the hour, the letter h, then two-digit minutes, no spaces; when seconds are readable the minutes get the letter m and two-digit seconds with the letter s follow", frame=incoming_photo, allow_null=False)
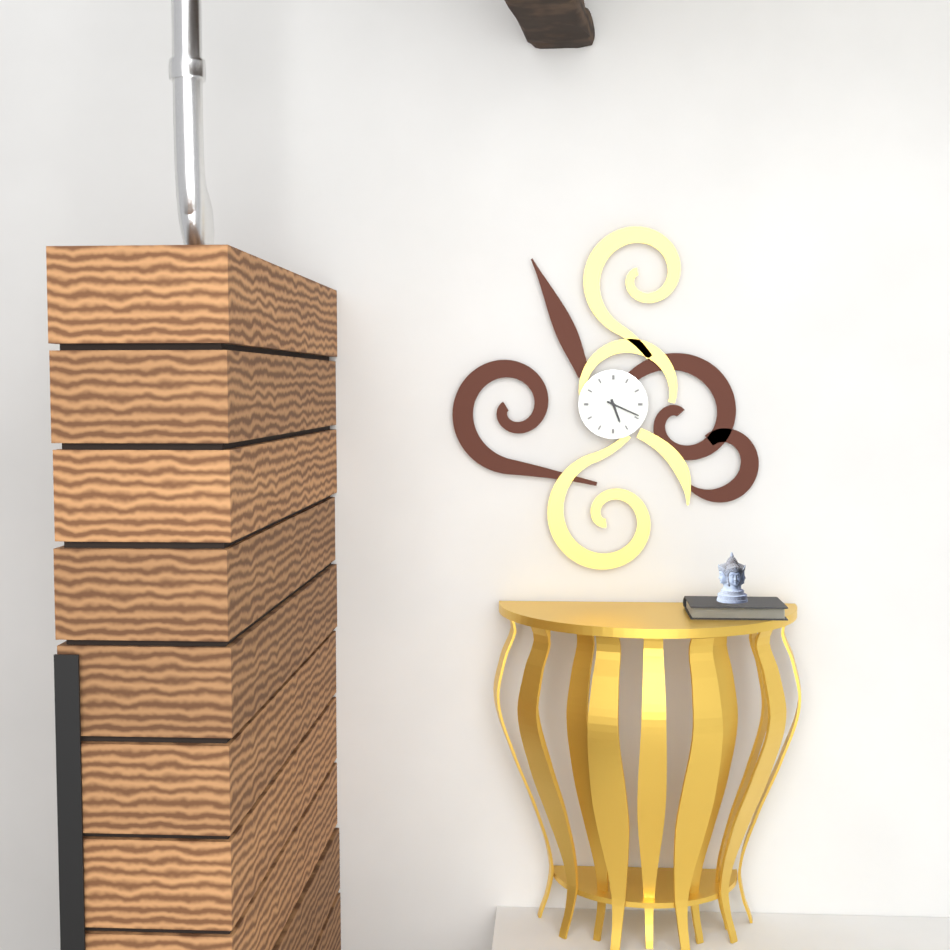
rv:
5h19
